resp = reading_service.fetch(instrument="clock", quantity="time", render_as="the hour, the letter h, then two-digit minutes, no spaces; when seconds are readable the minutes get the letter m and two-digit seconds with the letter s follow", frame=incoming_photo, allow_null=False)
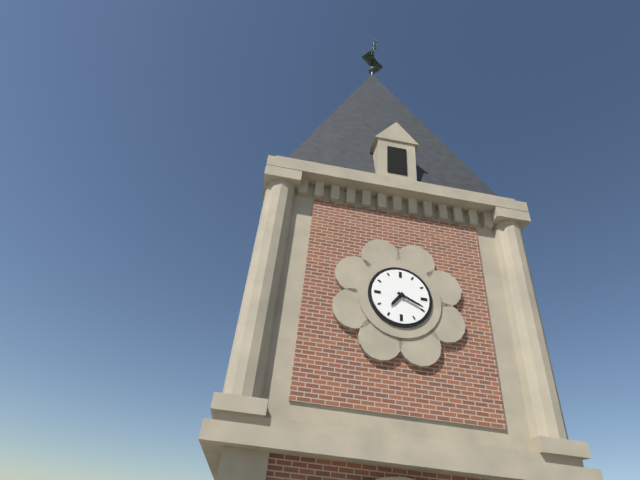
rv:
7h19
